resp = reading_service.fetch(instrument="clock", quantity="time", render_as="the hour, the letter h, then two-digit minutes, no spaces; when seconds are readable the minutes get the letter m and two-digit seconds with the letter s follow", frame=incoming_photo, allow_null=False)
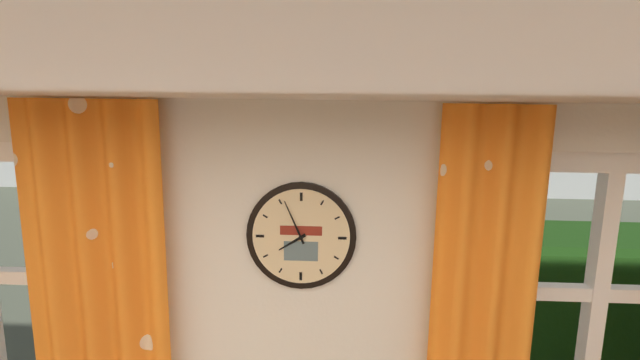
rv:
7h56
